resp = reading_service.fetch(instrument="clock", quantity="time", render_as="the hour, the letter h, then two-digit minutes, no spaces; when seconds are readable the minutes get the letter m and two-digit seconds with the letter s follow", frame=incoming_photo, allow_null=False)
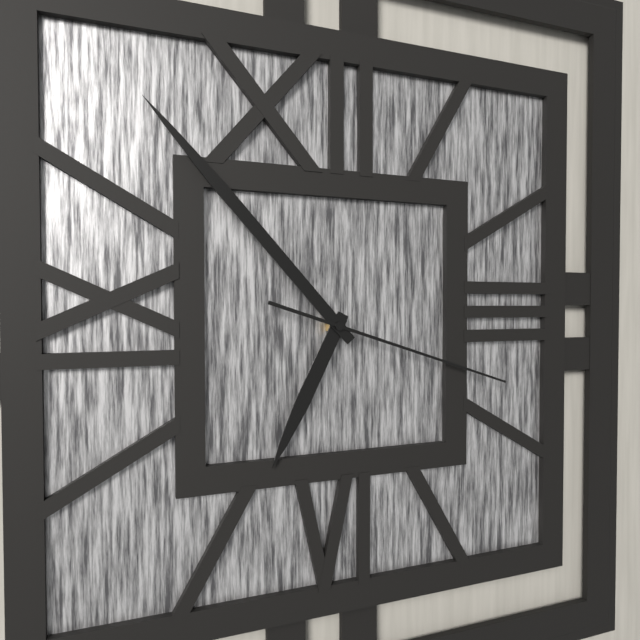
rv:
6h53m18s
